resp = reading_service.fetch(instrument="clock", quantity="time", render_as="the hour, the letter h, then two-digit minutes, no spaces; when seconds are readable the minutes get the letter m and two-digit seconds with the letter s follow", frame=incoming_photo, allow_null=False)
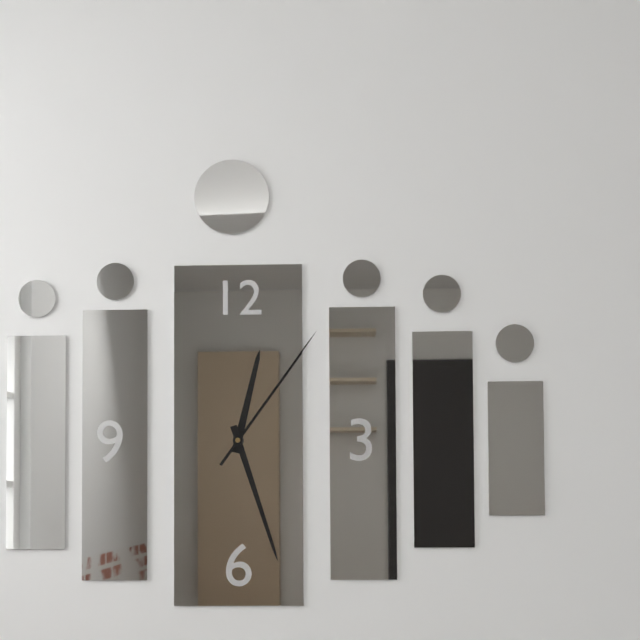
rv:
12h27m06s
